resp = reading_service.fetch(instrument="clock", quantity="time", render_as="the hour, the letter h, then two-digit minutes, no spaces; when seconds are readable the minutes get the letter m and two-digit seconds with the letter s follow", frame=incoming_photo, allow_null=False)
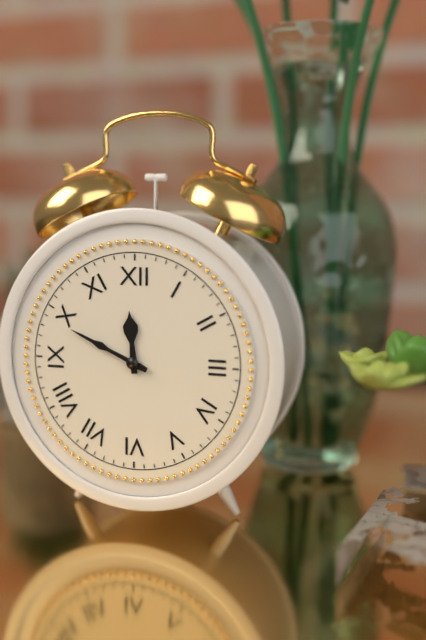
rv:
11h49
